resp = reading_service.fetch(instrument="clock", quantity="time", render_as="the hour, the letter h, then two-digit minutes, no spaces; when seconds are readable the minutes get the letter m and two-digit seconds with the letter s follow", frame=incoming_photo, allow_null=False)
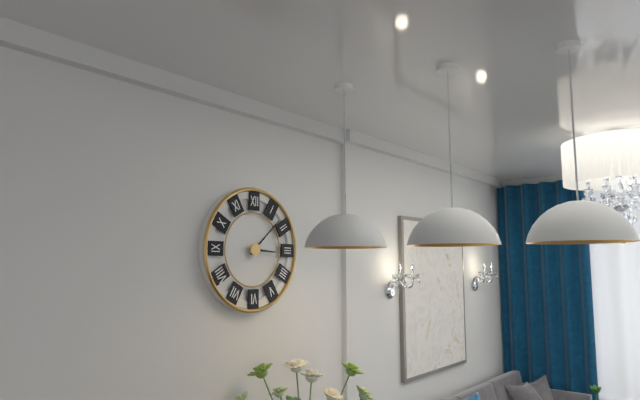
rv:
3h08
